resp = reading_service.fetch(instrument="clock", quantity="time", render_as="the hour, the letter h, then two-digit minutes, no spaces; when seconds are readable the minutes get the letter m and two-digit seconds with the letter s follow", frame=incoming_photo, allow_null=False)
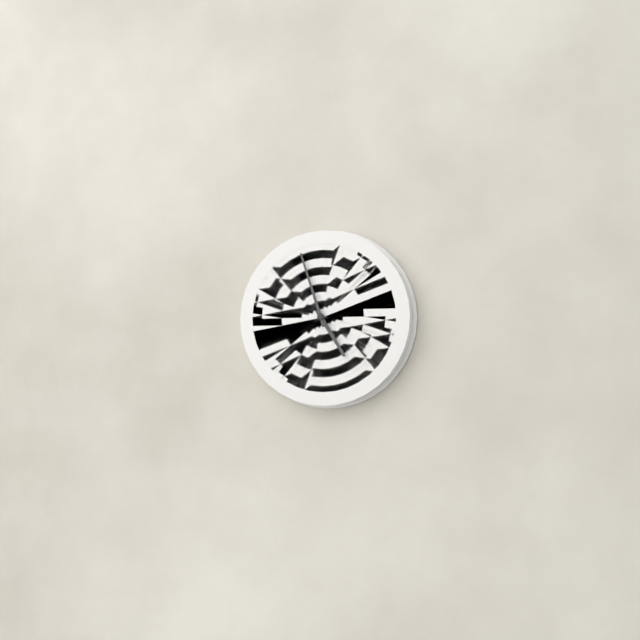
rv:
4h57
